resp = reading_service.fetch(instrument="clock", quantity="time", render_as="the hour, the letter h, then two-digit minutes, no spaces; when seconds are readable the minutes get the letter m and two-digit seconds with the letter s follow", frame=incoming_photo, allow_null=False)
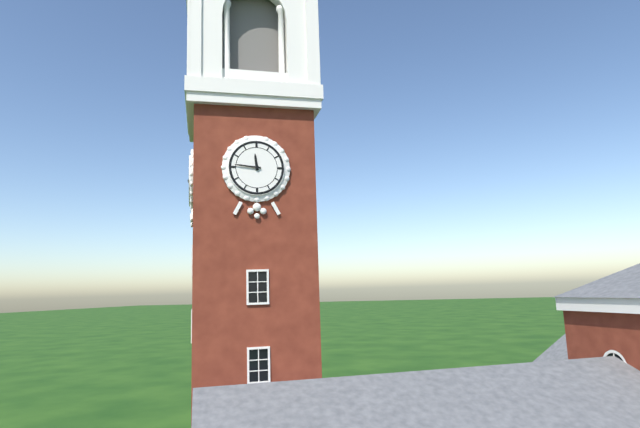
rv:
11h46
